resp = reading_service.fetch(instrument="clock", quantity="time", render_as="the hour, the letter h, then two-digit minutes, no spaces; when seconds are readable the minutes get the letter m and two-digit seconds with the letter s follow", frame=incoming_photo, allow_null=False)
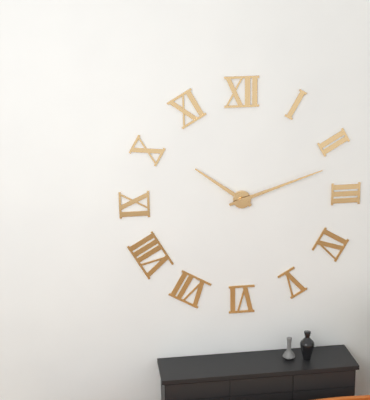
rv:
10h12
